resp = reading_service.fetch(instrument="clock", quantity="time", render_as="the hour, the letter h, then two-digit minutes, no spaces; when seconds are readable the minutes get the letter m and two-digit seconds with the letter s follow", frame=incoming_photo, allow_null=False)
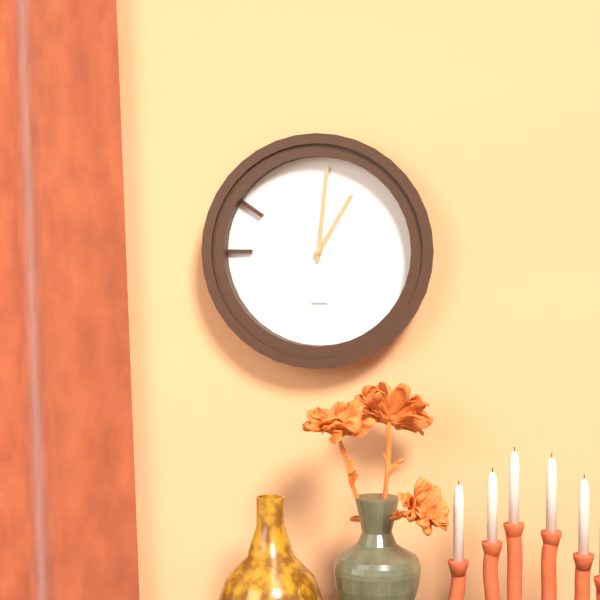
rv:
1h01
